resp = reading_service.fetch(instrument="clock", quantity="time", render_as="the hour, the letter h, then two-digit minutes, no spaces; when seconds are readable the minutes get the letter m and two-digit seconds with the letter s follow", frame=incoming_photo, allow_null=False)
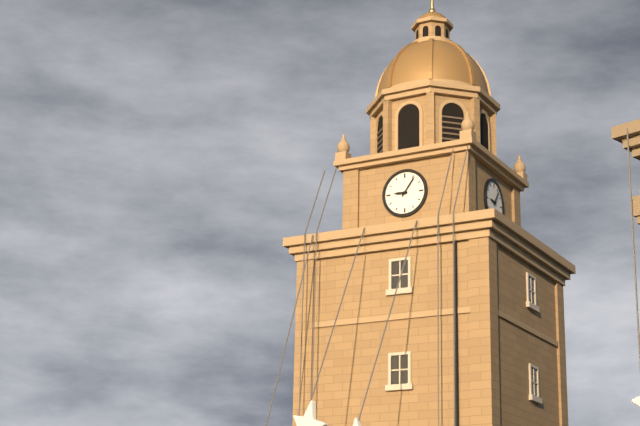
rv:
9h06
